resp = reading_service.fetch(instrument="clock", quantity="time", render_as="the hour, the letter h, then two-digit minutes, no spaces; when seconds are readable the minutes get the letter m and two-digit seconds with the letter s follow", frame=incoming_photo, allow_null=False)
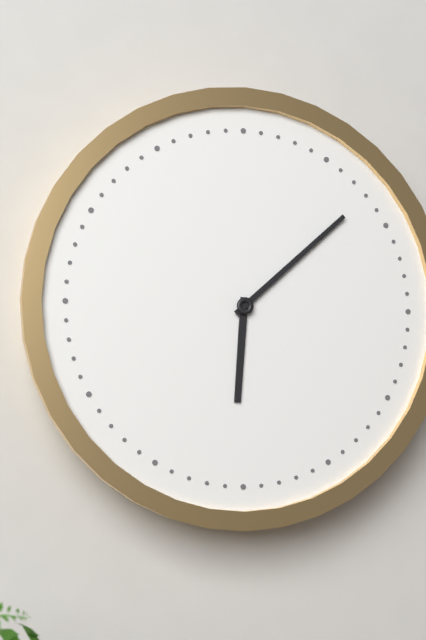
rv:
6h08
